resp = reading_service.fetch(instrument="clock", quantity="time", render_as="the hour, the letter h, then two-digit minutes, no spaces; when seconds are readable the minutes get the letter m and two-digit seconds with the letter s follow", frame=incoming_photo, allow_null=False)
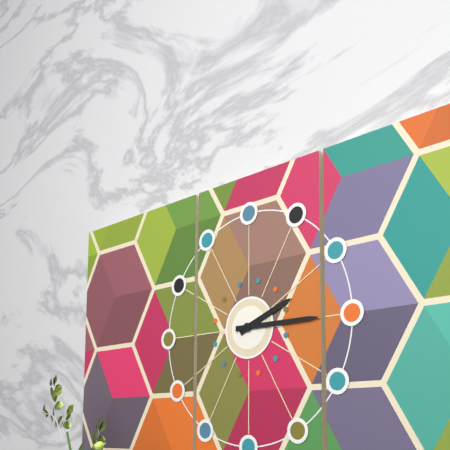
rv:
2h15
